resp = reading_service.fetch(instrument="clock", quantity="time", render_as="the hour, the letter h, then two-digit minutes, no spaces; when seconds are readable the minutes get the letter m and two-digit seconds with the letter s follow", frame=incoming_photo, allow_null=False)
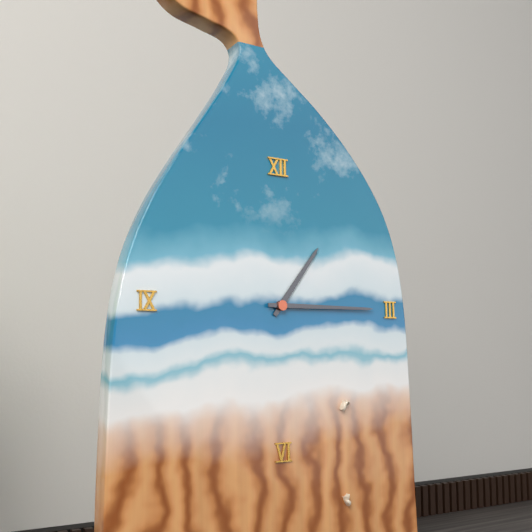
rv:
1h15
